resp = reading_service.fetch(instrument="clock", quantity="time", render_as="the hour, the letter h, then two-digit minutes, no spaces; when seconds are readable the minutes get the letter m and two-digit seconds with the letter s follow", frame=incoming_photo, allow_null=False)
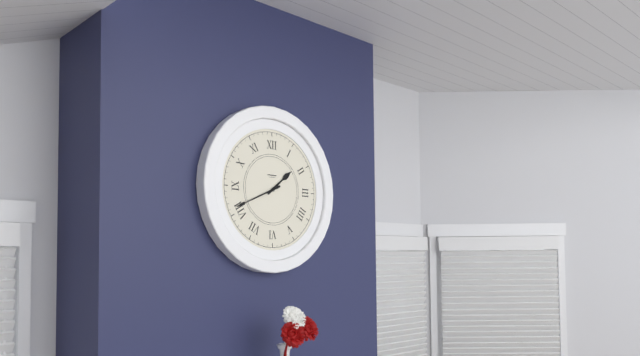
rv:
1h41
